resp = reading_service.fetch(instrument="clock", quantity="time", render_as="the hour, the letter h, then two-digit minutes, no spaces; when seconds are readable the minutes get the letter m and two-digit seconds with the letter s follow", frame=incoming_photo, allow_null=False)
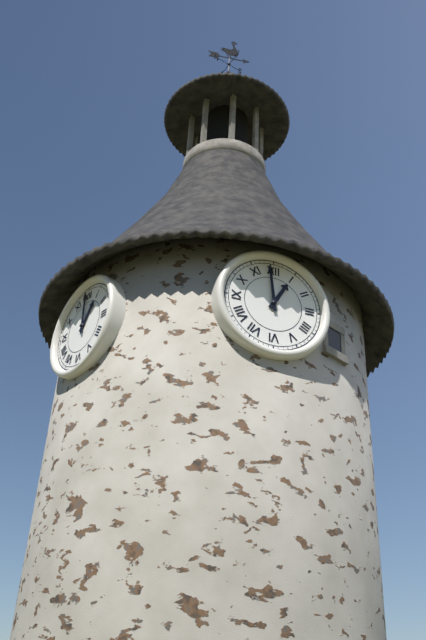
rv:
12h59
